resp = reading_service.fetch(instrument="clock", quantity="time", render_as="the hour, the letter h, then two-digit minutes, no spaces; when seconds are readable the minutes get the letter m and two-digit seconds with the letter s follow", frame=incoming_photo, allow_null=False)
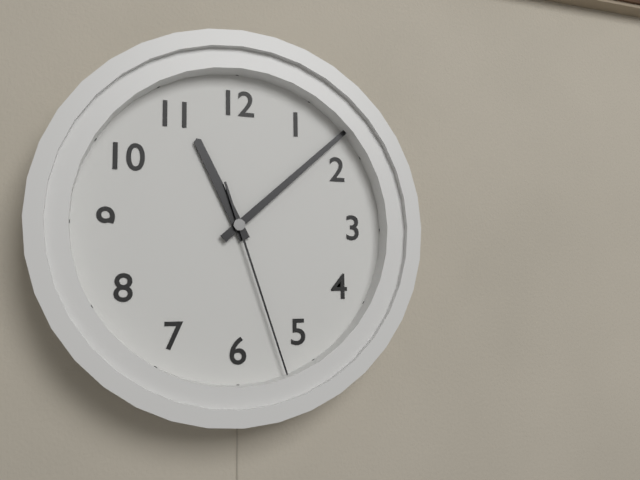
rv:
11h08m27s
